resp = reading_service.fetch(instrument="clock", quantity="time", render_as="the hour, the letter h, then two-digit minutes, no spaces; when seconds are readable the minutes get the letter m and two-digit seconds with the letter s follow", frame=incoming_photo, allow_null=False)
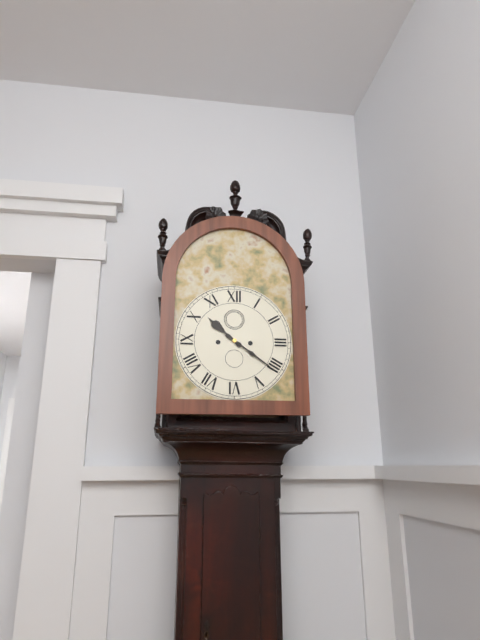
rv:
10h21
